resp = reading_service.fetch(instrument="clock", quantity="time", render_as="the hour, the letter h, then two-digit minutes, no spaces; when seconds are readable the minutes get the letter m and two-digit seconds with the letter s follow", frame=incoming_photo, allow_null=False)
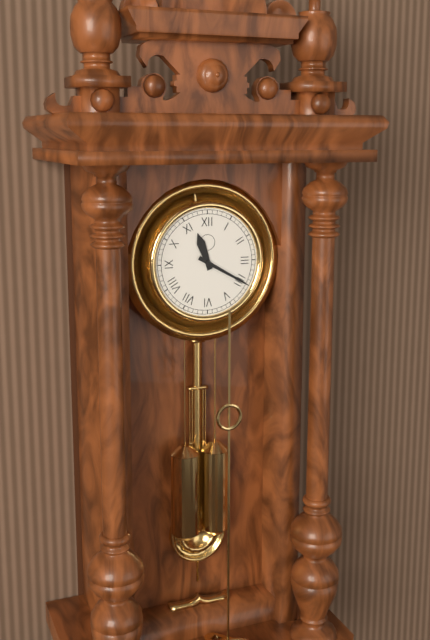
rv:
11h20
